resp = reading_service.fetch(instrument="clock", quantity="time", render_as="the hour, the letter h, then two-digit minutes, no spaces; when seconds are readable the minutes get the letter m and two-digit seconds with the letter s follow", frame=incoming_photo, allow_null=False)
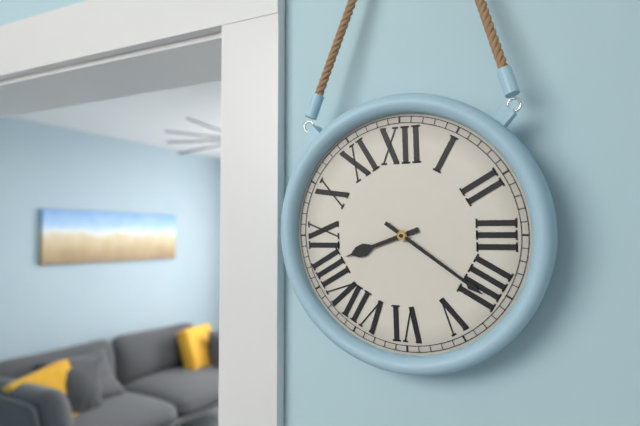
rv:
8h21
